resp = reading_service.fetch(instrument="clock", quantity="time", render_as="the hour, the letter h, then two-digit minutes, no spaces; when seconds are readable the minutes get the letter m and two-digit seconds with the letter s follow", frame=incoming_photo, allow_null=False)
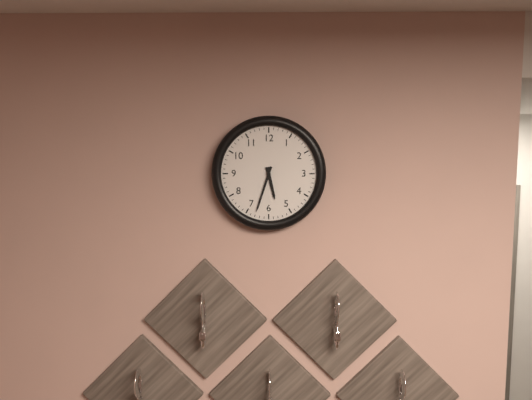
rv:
5h33
